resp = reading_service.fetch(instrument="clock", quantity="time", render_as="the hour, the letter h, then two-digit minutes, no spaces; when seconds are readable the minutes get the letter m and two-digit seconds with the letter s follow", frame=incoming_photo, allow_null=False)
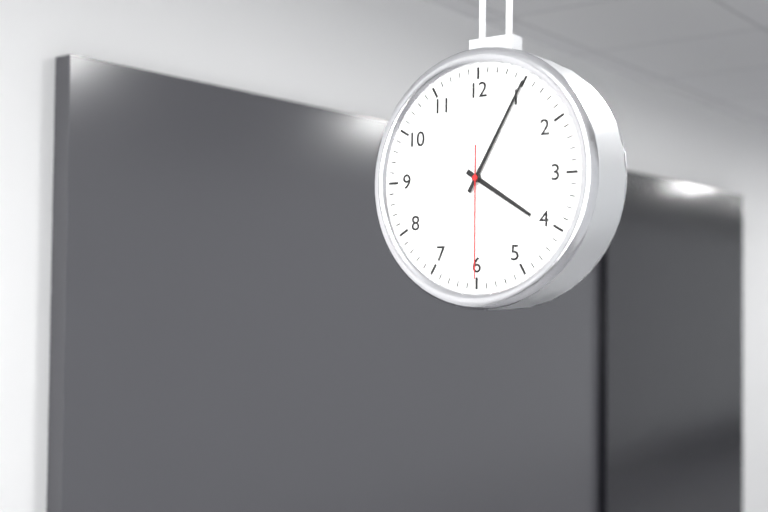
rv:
4h05m30s
